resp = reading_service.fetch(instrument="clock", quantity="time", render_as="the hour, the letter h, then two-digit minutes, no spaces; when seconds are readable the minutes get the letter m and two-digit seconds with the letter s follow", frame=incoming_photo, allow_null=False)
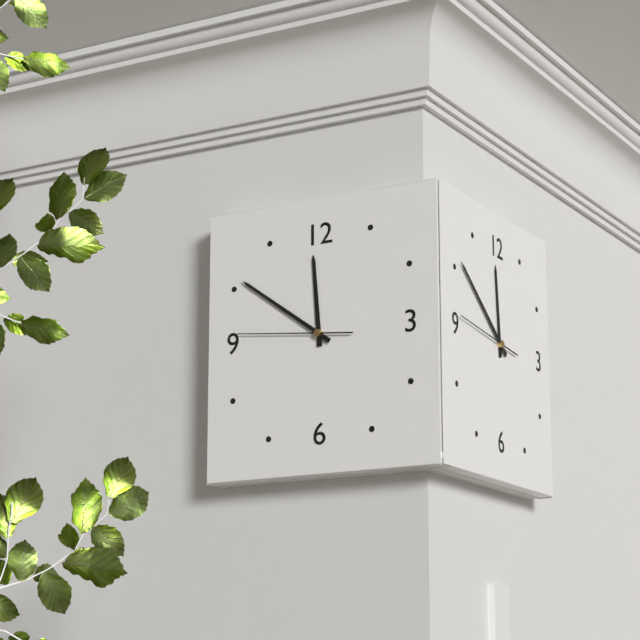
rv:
11h51m46s
